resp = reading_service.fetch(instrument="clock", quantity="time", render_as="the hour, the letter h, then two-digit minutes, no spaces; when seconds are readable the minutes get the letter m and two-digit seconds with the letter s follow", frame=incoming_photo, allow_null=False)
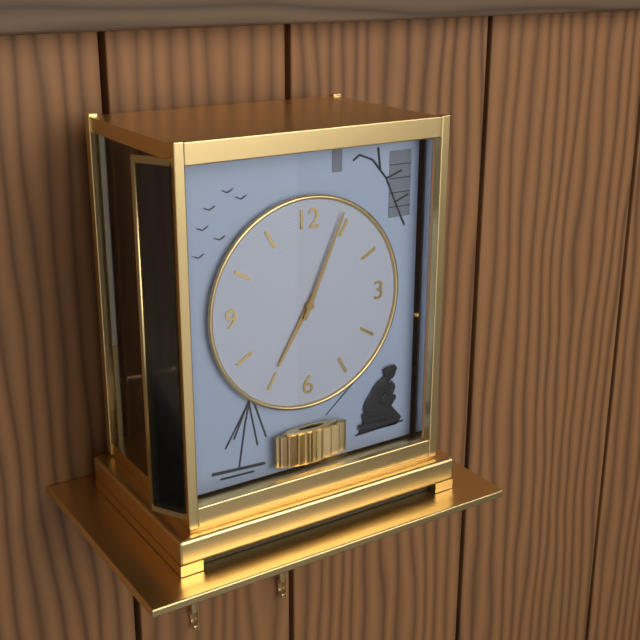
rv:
7h04
